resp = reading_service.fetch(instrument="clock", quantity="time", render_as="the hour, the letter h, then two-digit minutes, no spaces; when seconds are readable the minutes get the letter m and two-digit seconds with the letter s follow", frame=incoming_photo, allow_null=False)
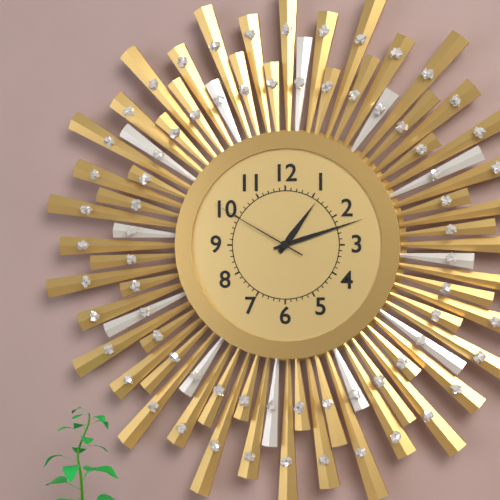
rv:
1h12m50s
